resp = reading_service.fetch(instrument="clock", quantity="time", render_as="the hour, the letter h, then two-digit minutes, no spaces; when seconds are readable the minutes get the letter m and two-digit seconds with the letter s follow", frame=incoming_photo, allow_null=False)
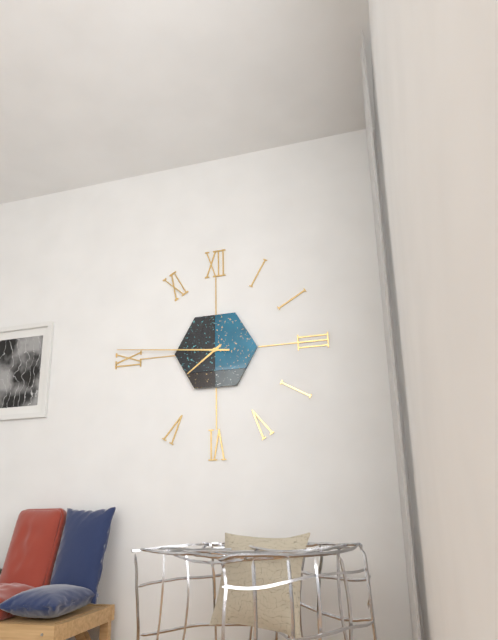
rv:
7h46
